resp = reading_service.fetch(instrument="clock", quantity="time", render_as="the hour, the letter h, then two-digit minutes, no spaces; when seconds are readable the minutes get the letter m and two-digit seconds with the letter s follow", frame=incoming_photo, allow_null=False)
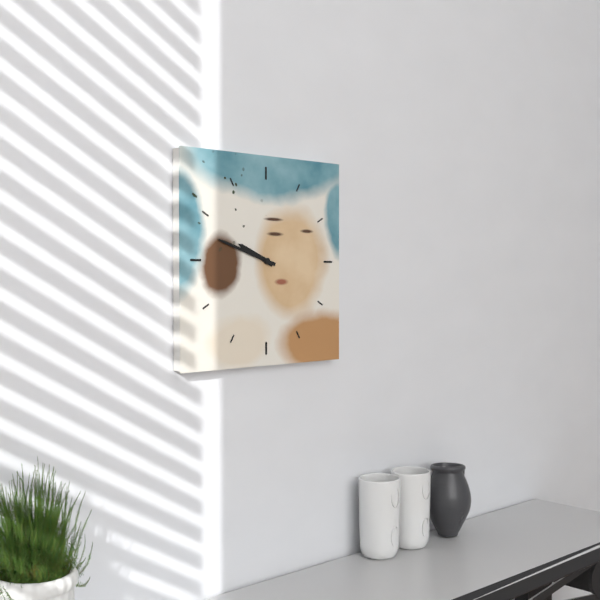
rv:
9h48
